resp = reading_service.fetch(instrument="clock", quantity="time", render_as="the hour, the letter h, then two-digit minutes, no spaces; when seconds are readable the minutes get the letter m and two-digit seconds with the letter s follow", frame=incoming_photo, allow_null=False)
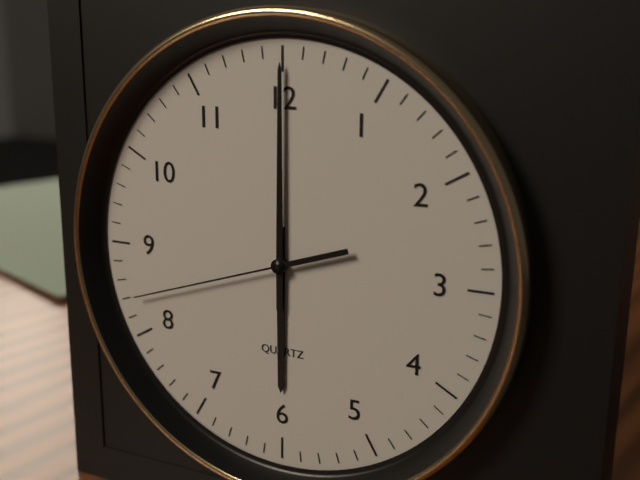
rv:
6h00m42s
